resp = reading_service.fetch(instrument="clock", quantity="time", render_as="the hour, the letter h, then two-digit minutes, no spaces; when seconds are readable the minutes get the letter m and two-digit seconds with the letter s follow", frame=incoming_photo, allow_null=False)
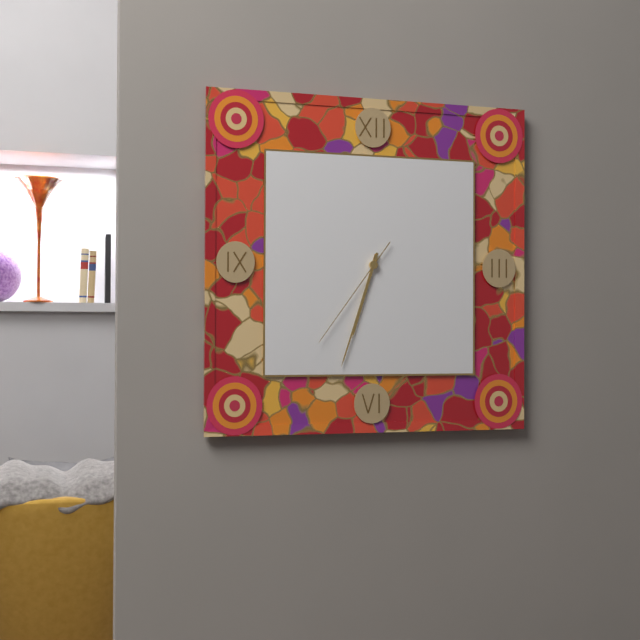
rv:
6h33m36s
